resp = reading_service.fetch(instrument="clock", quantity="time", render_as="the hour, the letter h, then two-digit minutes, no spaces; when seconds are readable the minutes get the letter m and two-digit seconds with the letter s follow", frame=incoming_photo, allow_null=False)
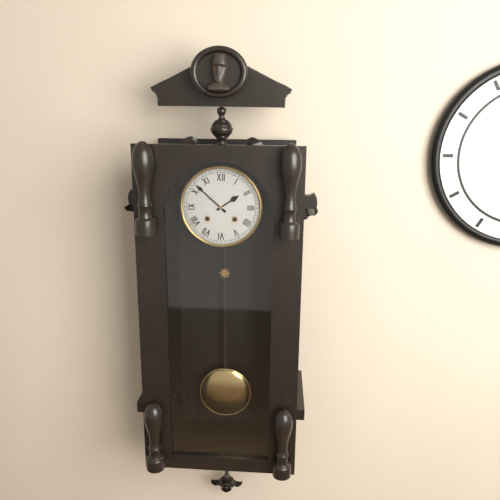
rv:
1h52
